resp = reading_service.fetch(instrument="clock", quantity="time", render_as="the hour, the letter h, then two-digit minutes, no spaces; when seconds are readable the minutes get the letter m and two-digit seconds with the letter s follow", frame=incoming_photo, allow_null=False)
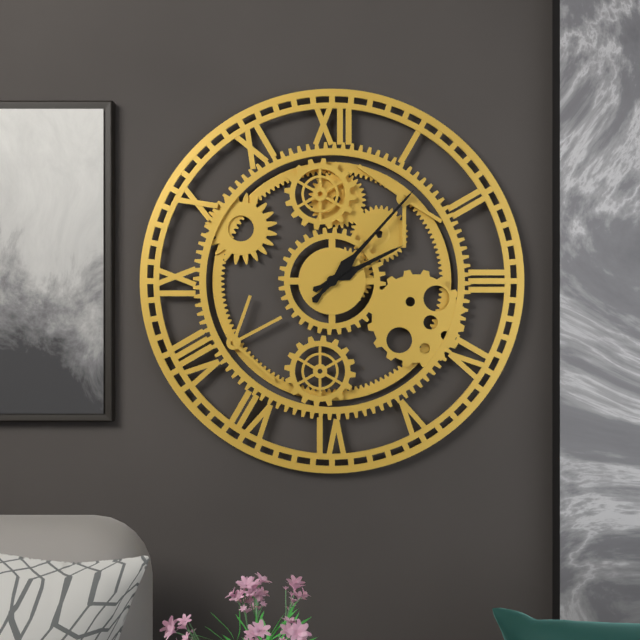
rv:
2h07
